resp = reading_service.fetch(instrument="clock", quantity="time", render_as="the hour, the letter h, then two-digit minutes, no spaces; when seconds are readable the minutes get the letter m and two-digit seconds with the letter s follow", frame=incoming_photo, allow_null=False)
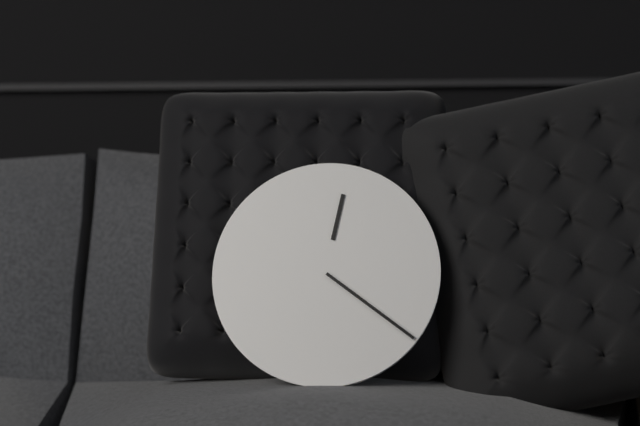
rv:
12h21
